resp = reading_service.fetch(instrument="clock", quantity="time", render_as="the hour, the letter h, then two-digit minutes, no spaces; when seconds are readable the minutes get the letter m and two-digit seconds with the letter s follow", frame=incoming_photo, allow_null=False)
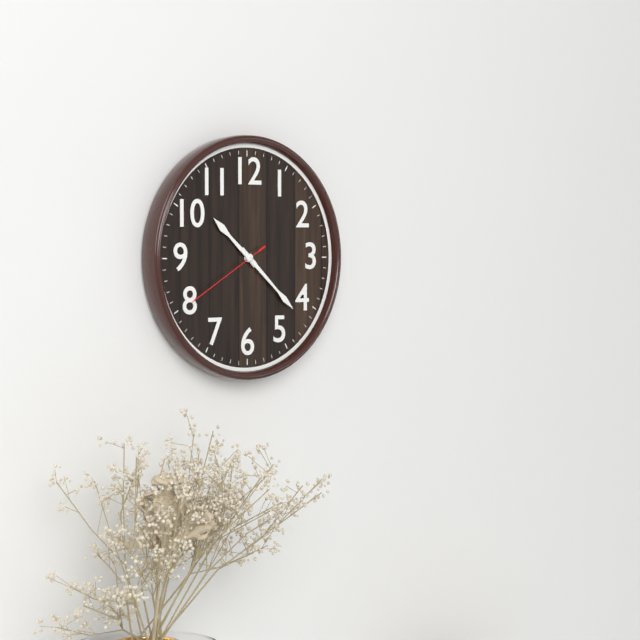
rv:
10h22m40s
